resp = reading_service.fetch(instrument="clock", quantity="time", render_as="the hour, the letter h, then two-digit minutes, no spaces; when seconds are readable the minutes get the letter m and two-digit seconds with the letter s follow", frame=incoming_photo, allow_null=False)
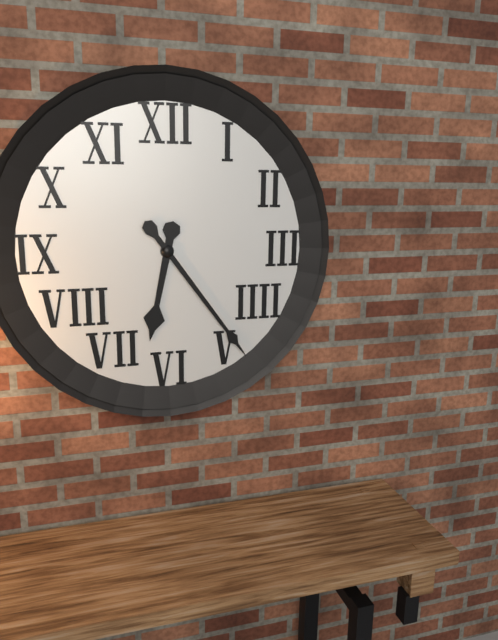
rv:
6h24
